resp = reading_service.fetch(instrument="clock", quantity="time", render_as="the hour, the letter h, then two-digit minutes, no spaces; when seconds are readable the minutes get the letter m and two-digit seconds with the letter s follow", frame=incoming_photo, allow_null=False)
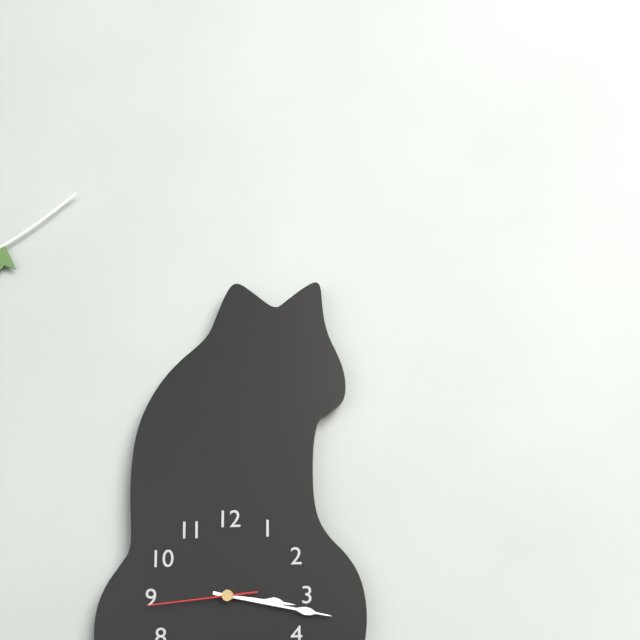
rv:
3h17m44s
